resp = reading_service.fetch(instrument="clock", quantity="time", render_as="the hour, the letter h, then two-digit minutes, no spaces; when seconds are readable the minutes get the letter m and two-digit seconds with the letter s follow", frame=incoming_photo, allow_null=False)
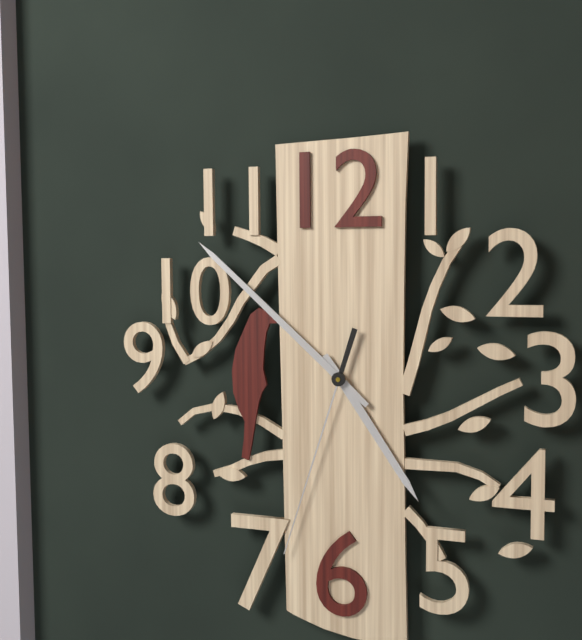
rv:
4h52m33s
